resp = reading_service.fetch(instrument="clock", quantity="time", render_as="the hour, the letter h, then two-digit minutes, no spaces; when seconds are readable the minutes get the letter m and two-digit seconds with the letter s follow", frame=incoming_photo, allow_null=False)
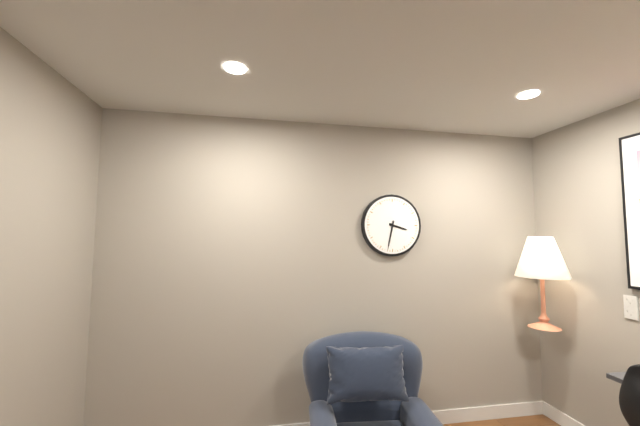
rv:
3h32
